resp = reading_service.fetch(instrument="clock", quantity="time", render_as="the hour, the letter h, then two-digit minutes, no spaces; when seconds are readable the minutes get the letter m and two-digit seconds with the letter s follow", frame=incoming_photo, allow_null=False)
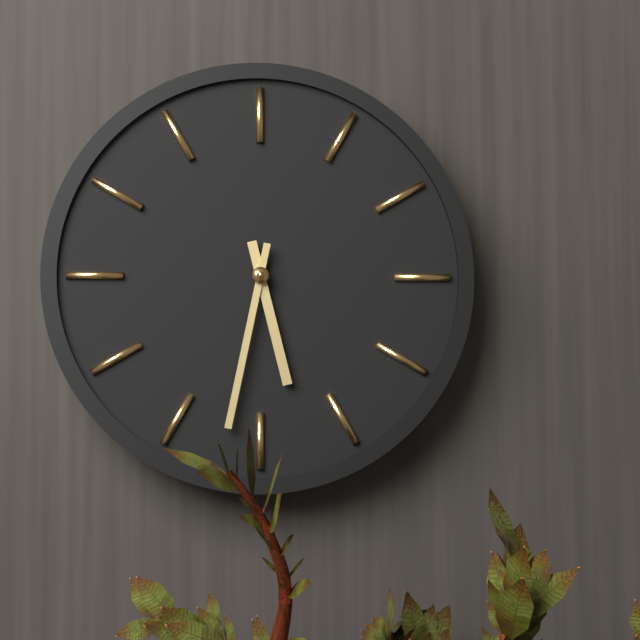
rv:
5h32
